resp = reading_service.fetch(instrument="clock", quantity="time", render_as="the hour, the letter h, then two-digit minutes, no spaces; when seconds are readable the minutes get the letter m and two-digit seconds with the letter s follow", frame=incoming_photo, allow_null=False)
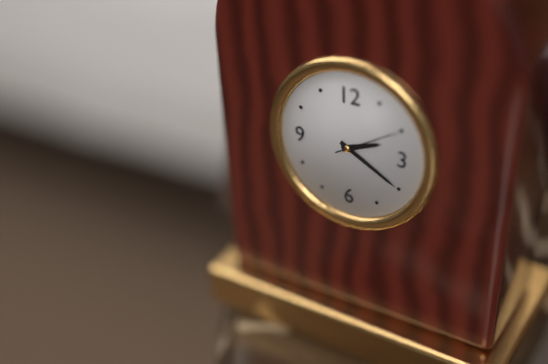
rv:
2h20m10s
